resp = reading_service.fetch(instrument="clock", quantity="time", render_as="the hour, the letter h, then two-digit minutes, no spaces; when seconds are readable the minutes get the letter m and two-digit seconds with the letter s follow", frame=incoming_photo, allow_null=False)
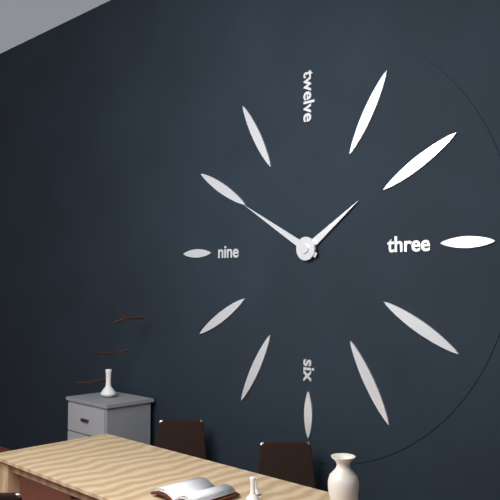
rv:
1h50
